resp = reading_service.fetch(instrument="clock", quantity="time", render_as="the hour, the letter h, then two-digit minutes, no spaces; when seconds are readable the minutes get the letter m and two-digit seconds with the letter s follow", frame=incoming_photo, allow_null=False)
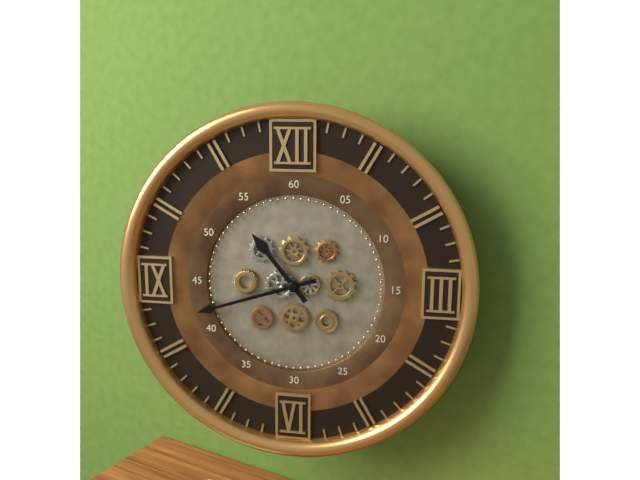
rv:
10h42
